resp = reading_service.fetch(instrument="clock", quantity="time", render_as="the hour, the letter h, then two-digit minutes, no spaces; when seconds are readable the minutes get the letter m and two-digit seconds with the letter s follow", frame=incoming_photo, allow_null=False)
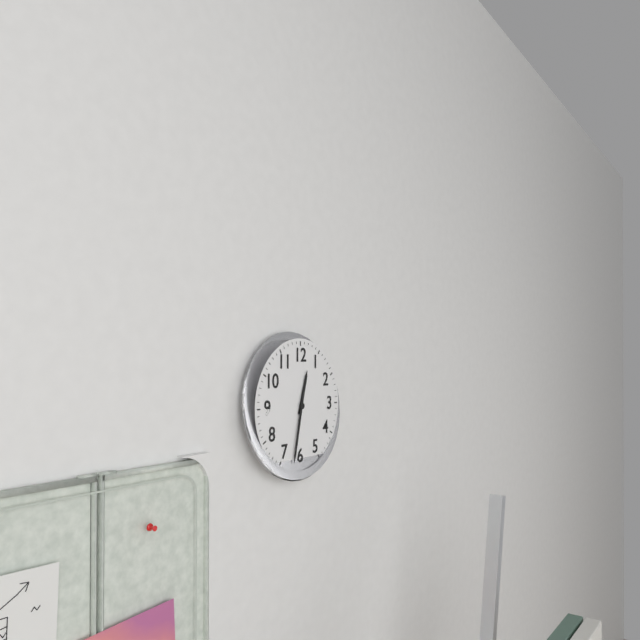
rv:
12h32
